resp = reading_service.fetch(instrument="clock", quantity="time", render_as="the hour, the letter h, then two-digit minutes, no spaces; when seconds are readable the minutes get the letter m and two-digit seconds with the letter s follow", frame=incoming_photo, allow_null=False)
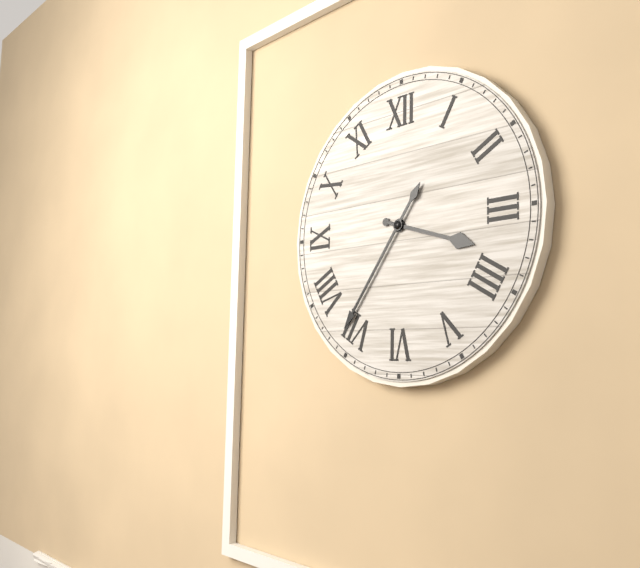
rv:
3h36
